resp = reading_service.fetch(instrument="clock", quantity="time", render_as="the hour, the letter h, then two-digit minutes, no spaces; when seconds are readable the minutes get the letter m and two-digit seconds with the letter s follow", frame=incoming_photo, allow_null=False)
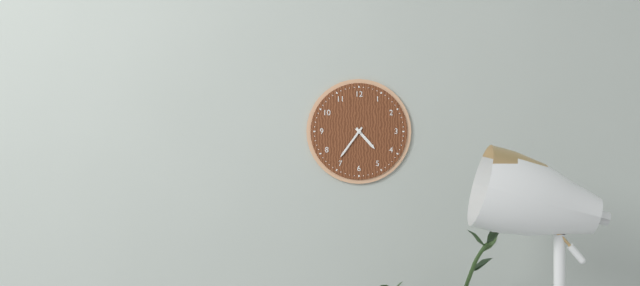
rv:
4h36
